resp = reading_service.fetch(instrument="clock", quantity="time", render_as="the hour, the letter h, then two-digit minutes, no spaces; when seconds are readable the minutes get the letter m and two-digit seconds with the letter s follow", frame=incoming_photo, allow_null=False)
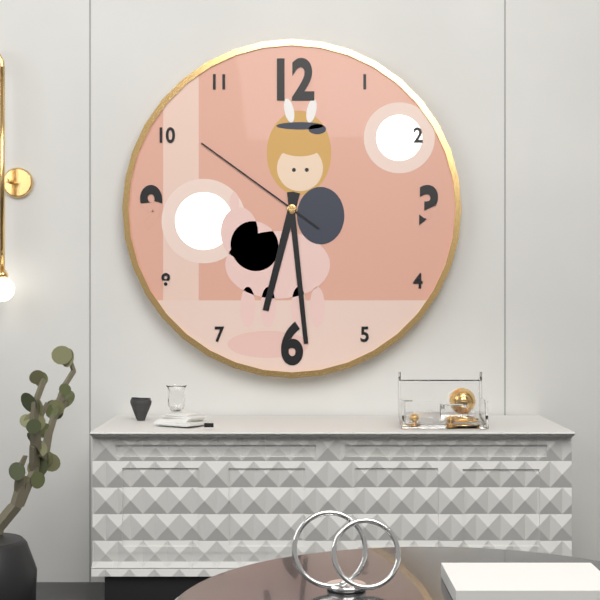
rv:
6h29m51s
